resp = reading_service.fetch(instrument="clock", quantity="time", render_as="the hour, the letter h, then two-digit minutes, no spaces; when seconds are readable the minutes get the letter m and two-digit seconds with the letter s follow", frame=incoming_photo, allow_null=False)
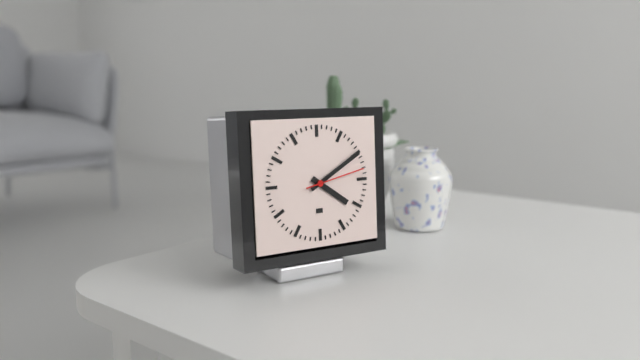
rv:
4h10m13s
